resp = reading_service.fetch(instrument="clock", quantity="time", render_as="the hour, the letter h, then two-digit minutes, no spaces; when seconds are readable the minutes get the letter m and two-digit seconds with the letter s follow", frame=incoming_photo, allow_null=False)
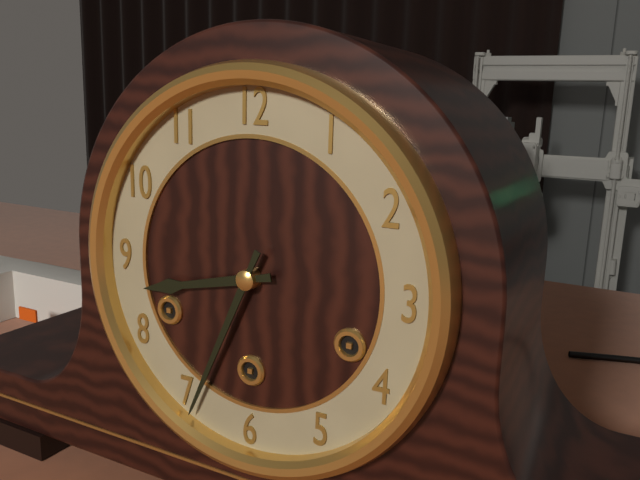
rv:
8h34
